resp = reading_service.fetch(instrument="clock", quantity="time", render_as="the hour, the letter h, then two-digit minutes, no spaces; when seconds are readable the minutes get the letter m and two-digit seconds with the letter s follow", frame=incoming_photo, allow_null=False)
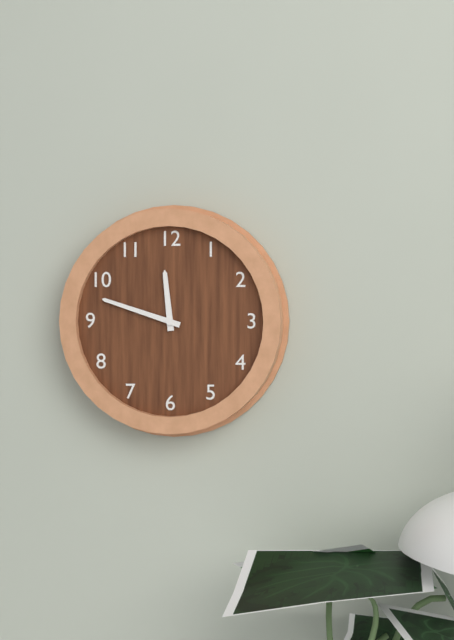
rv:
11h48
